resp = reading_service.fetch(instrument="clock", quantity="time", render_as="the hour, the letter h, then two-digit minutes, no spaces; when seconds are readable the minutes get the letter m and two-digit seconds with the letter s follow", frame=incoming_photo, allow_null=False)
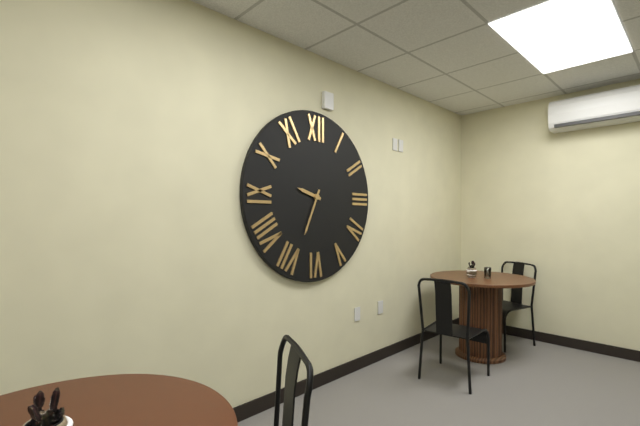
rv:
9h34
